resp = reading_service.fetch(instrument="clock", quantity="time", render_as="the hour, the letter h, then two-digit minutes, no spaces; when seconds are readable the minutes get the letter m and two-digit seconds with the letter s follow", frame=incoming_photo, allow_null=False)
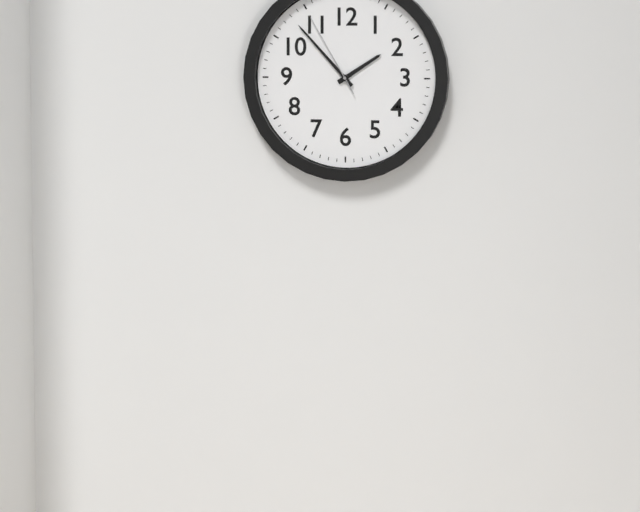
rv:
1h53m55s
